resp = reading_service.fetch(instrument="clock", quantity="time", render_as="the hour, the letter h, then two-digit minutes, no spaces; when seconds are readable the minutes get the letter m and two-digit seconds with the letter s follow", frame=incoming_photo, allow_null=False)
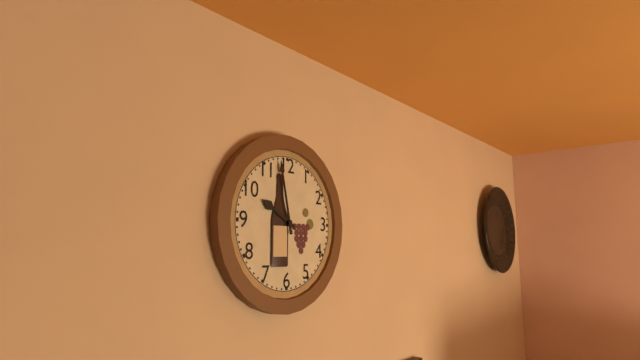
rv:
9h58
